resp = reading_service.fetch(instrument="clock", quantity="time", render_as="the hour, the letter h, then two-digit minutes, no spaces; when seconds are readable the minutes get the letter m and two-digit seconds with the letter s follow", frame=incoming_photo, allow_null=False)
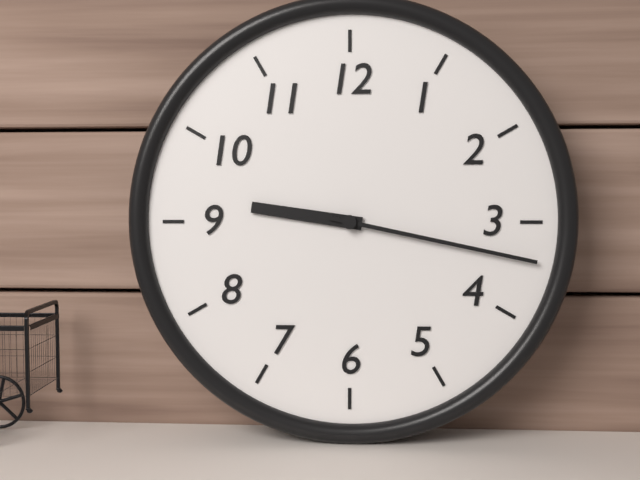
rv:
9h17
